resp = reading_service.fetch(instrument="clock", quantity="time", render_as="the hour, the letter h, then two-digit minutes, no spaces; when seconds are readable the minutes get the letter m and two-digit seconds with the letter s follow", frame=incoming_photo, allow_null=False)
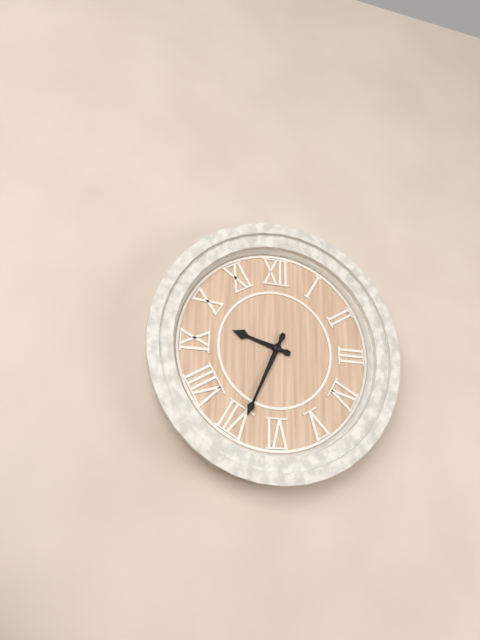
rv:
9h34
